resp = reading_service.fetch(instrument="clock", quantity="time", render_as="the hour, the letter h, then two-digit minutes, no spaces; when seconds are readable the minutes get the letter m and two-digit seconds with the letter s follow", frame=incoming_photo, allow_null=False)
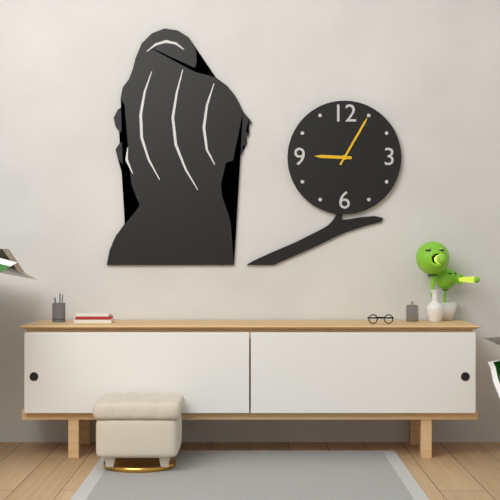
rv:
9h05
